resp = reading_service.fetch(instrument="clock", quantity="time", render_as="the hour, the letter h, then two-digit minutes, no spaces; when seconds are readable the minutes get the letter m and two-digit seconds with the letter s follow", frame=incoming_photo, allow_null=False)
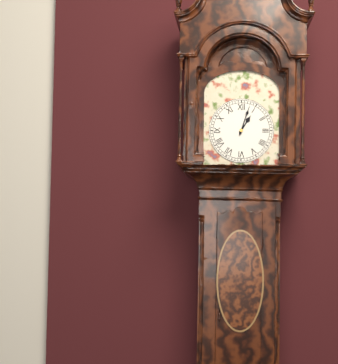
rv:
1h03
